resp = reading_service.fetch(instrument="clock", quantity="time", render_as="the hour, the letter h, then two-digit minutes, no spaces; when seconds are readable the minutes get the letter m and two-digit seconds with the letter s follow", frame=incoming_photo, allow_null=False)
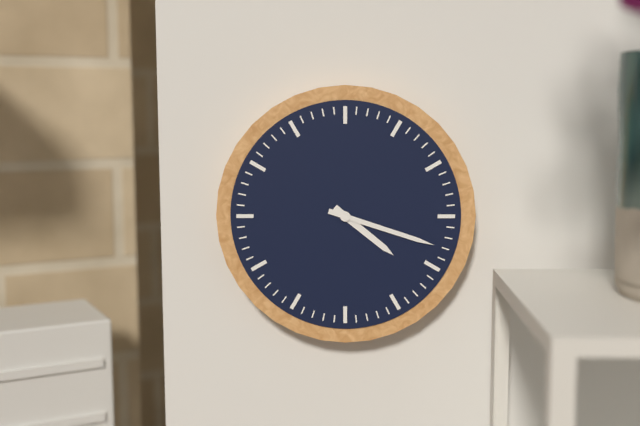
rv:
4h18
